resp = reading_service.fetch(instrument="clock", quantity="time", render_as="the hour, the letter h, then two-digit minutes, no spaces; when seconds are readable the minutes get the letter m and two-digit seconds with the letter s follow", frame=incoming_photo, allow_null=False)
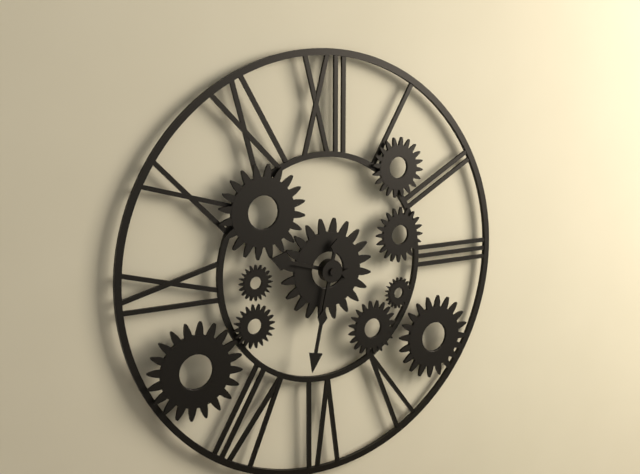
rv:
9h32
